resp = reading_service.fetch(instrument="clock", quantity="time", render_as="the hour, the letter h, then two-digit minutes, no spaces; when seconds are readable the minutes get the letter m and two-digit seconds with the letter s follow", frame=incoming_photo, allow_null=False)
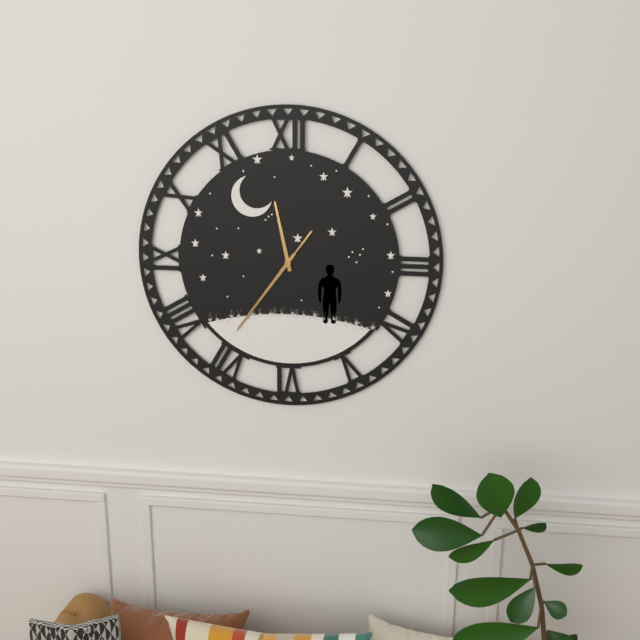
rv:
11h36m36s
